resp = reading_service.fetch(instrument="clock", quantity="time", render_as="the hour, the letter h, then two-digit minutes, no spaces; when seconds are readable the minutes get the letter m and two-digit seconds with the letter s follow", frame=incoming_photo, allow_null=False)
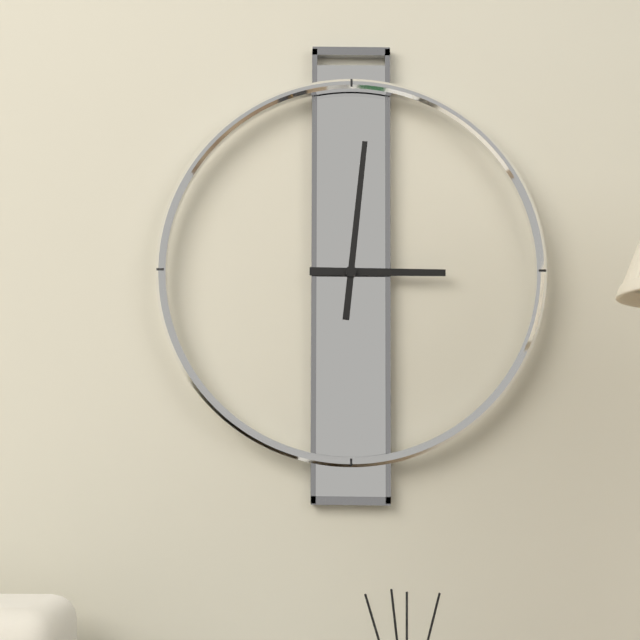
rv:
3h01
